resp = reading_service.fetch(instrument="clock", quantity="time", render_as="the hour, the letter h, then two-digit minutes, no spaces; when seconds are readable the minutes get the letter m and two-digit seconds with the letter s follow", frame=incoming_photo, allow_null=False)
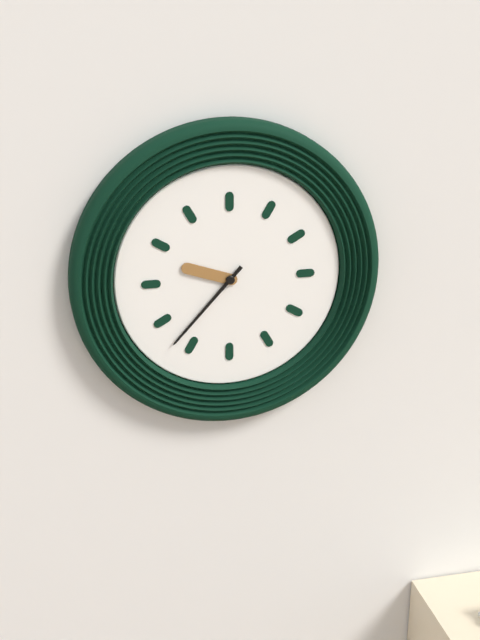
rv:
9h37
